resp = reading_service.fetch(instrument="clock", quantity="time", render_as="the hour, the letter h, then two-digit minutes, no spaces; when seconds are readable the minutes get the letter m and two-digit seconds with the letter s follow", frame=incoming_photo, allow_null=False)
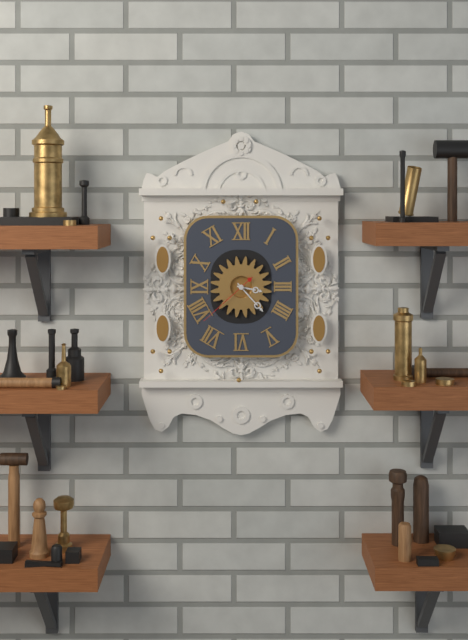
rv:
3h23m38s
